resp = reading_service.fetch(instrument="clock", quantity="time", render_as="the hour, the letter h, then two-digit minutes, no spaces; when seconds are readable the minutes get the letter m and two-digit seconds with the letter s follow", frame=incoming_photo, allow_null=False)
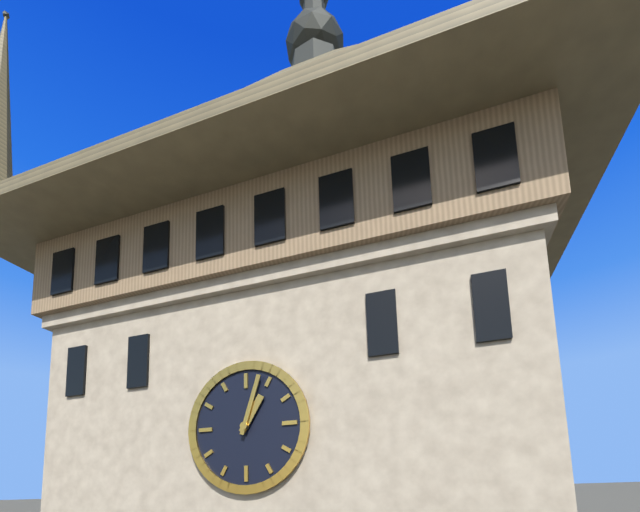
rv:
1h03
